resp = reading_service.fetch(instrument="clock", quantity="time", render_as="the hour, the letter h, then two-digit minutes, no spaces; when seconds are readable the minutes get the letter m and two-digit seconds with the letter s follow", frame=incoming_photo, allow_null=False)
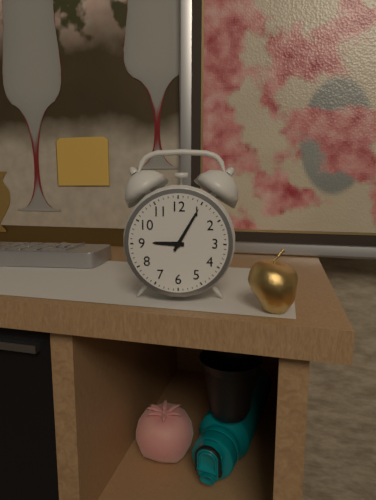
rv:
9h05
